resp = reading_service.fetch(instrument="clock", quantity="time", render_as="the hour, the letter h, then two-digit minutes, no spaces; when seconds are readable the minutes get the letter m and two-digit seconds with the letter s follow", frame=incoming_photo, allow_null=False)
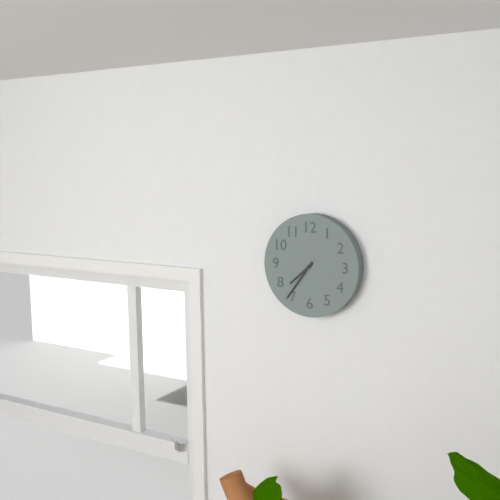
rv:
7h36
